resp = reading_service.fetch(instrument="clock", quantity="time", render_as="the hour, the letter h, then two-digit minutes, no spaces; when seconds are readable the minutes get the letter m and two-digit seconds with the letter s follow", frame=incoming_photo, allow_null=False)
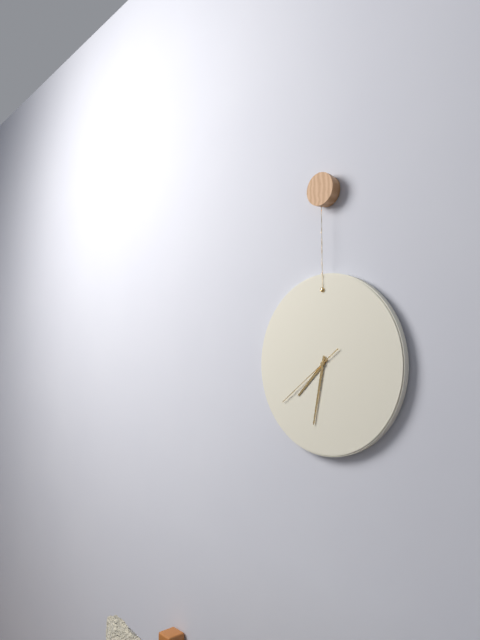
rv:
7h32m39s
